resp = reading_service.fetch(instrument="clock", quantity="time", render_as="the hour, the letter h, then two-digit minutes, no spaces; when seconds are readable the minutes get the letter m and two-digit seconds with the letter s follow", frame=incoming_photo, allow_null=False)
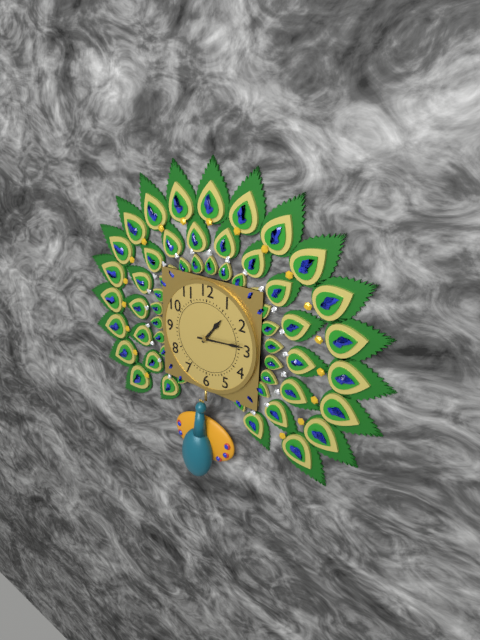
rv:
1h14
